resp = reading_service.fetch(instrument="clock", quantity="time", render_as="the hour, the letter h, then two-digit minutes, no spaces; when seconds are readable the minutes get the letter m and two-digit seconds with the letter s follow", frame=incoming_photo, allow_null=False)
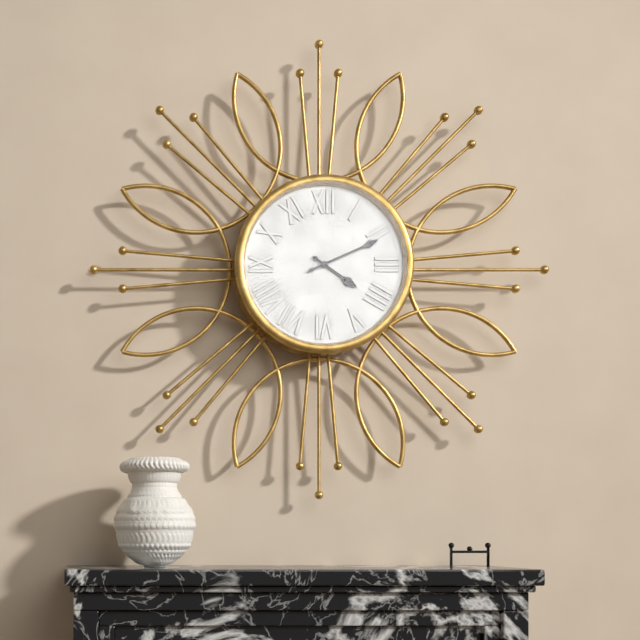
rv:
4h11
